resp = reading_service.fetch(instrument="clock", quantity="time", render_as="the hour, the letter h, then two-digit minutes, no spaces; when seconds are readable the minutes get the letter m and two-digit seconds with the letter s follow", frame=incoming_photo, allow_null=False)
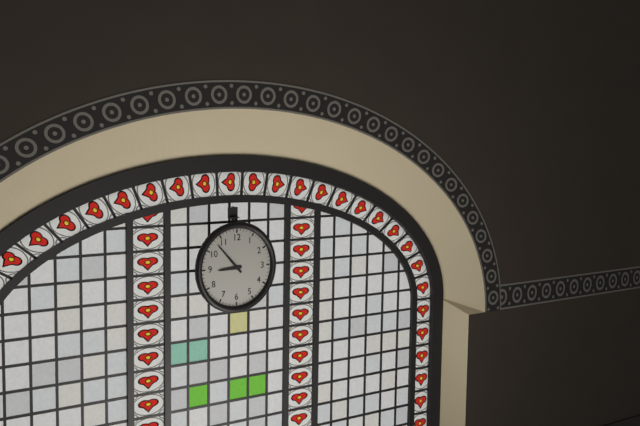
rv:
8h53
